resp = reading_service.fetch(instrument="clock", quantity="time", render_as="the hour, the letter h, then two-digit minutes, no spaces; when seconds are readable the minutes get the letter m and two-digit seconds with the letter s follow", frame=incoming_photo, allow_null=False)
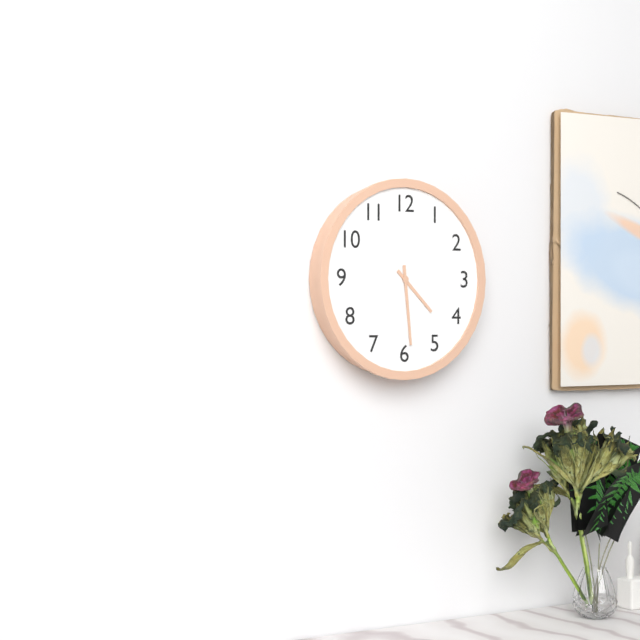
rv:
4h29
